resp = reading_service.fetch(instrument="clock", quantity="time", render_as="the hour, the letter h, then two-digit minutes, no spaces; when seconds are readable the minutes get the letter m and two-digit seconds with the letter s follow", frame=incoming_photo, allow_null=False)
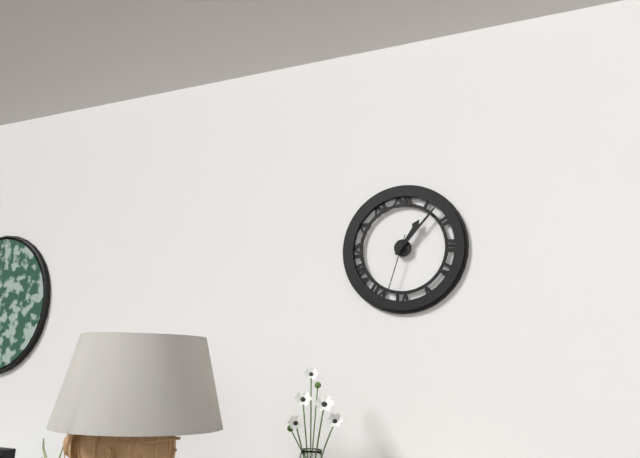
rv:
1h07m33s
